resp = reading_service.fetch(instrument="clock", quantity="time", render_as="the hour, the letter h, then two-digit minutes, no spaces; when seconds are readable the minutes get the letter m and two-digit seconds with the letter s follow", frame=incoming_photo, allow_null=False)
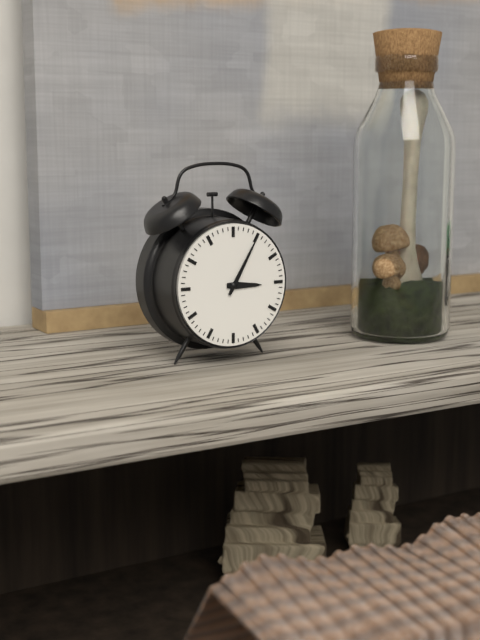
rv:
3h05
